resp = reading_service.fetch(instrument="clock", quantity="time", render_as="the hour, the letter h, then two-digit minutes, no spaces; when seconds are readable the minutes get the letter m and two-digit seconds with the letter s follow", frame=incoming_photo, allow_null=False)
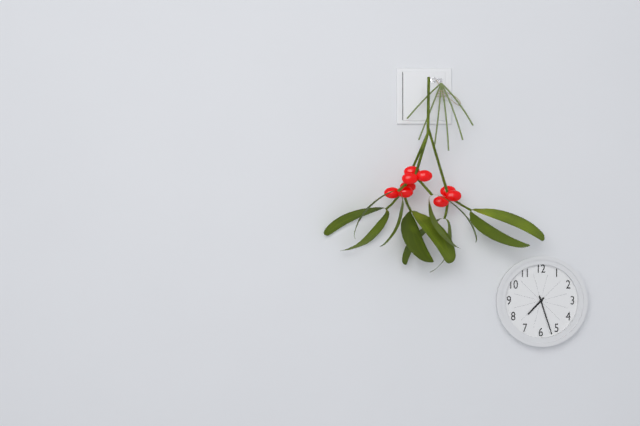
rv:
7h27
